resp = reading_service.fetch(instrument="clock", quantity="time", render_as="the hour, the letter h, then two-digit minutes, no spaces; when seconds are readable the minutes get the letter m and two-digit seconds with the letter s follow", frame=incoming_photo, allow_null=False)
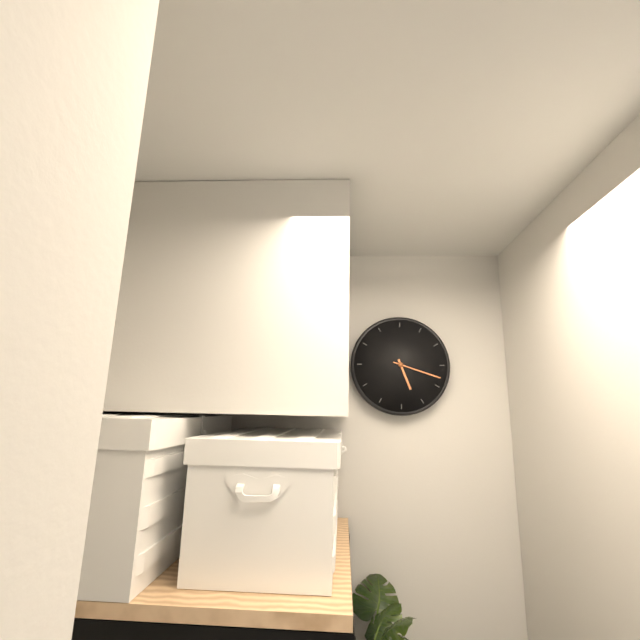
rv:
5h18
